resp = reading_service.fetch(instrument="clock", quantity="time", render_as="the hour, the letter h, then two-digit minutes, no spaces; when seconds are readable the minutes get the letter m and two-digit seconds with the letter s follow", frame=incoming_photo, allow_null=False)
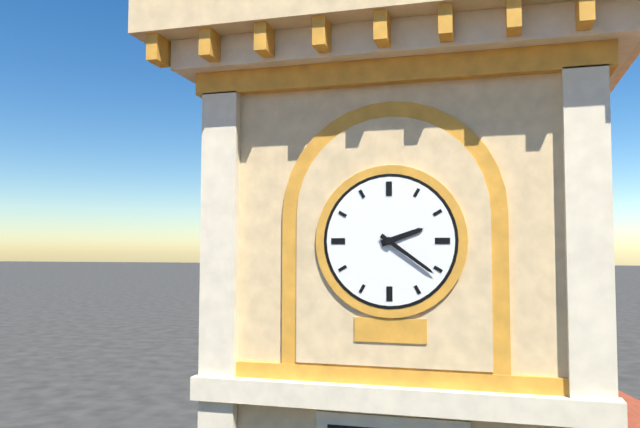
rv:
2h21
